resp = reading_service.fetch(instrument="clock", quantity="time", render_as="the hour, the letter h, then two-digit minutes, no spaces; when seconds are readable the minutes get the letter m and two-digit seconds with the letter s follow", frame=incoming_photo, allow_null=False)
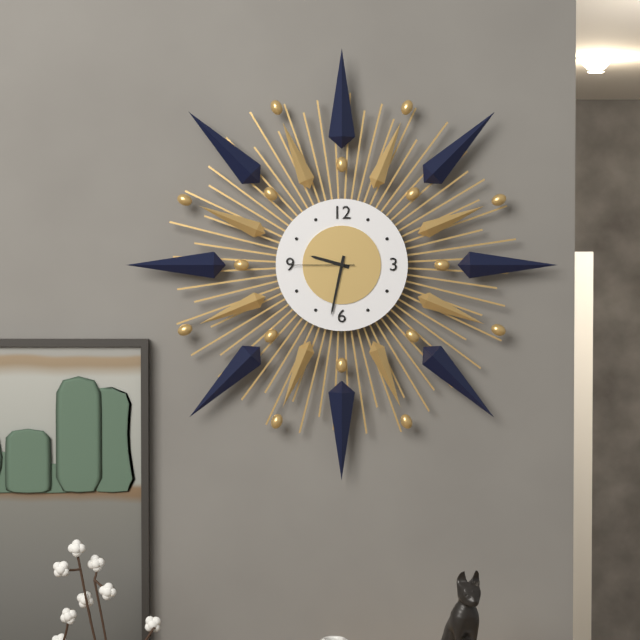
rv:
9h32m45s
